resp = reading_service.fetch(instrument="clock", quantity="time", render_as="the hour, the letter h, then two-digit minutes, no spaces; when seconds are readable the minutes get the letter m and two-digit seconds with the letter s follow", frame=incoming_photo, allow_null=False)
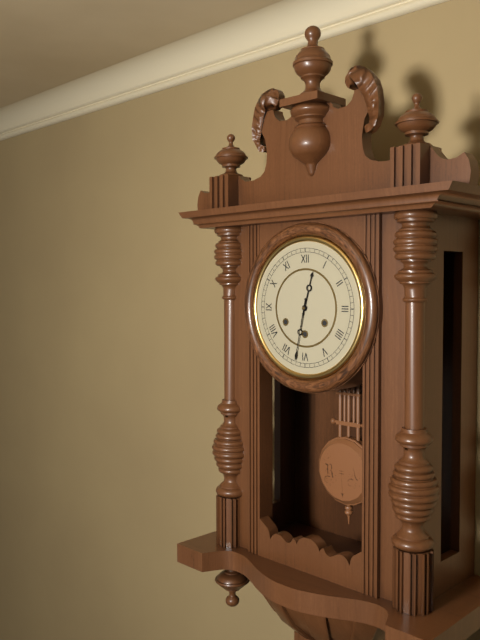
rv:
12h32
